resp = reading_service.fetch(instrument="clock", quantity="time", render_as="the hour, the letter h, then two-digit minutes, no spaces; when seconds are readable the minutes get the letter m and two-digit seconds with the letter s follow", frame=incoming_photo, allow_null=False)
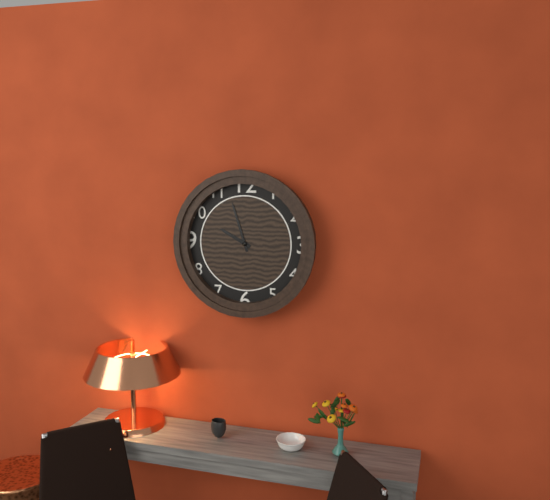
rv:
9h57
